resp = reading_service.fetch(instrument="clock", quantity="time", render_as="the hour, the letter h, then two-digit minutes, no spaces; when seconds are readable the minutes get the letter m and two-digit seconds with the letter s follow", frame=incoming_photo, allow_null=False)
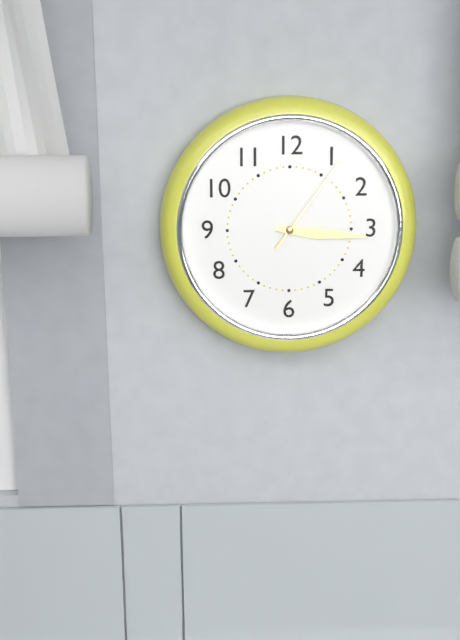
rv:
3h16m06s
